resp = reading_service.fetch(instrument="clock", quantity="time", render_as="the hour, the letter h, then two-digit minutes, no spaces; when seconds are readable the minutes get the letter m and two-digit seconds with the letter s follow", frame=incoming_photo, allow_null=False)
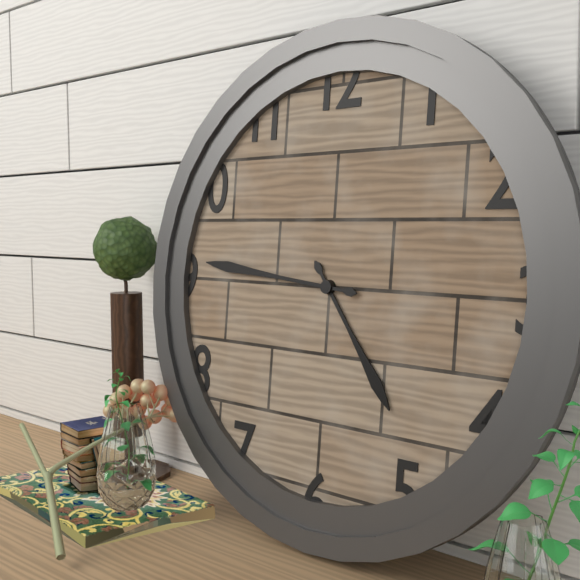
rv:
4h46
